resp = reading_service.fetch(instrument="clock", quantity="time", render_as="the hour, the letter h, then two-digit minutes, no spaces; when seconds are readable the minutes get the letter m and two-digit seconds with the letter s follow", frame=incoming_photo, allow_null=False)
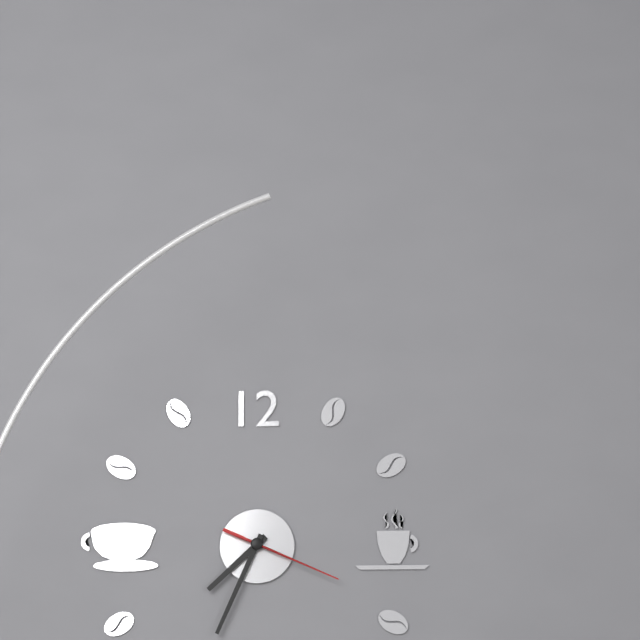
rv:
7h34m19s
